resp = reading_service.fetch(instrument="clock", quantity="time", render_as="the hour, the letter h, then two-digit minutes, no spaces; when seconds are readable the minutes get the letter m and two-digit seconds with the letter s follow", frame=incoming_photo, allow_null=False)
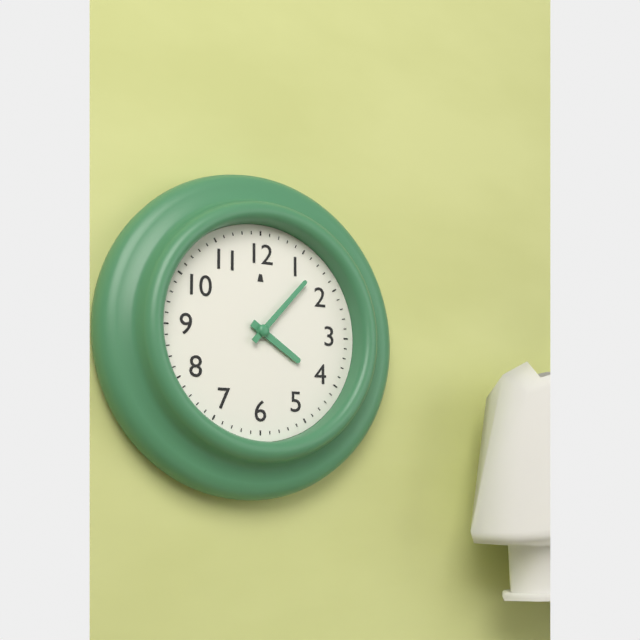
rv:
4h07
